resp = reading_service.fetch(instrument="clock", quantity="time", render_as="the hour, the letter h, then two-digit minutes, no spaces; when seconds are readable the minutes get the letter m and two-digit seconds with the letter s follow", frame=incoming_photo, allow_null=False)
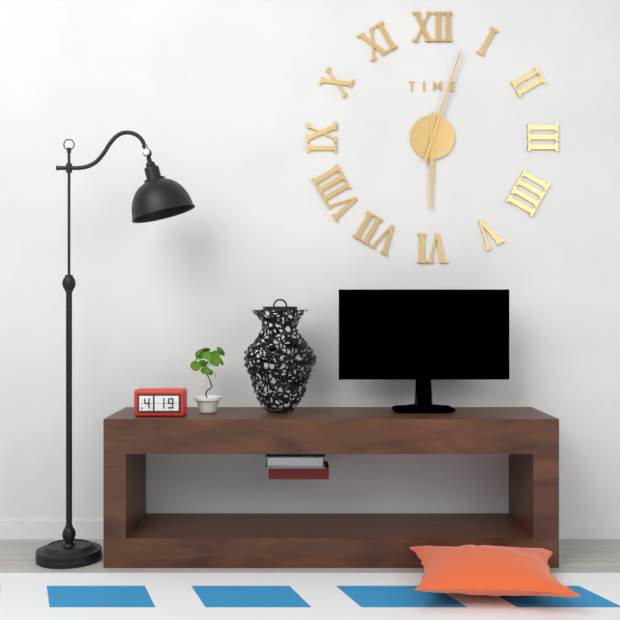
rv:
6h03
